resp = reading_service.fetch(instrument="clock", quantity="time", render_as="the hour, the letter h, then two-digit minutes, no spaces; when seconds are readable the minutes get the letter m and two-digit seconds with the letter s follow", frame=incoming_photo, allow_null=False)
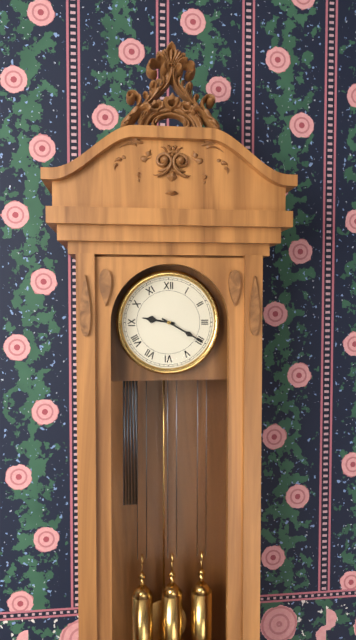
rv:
9h20
